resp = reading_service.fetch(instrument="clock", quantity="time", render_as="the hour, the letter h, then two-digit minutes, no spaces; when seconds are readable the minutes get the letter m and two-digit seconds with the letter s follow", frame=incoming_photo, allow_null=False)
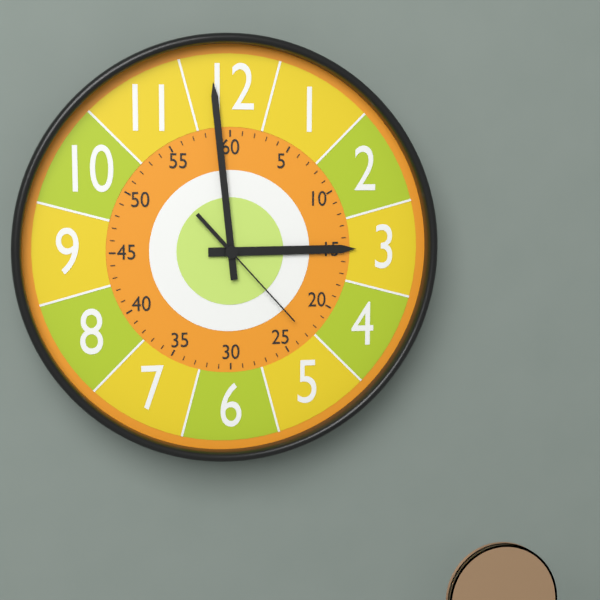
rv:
2h59m23s
